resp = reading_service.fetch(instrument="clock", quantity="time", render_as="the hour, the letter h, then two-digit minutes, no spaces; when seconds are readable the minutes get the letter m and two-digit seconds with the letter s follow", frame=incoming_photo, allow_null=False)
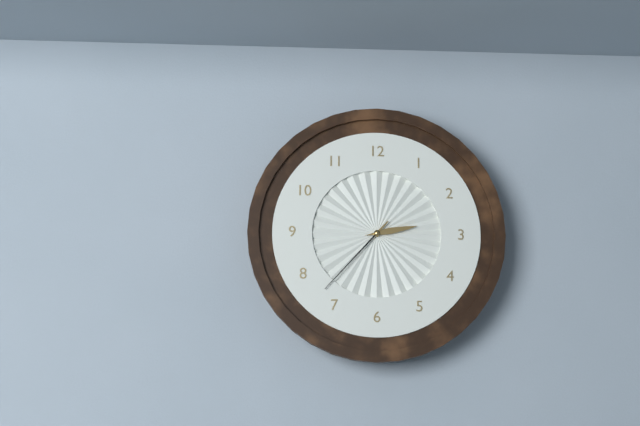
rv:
2h37
